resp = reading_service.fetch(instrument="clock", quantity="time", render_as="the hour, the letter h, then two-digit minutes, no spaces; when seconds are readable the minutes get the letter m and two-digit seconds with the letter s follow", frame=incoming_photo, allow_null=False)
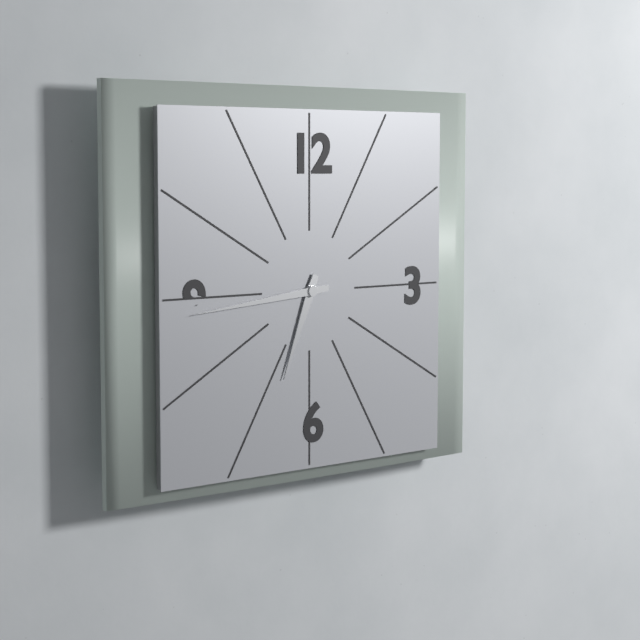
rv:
6h44
